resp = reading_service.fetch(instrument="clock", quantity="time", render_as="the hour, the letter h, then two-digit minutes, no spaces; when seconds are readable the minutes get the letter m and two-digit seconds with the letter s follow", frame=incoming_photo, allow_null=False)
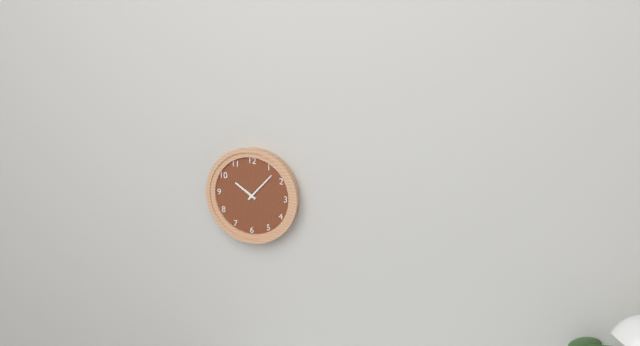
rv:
10h07
